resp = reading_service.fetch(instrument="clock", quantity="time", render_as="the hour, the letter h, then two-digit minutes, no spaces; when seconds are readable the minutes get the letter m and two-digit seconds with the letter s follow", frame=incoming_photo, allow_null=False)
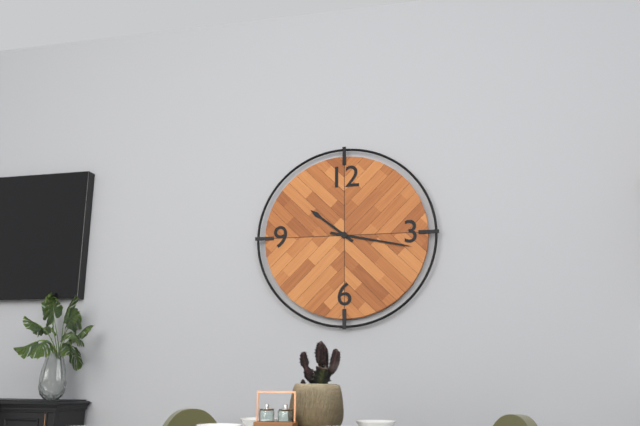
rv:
10h17
